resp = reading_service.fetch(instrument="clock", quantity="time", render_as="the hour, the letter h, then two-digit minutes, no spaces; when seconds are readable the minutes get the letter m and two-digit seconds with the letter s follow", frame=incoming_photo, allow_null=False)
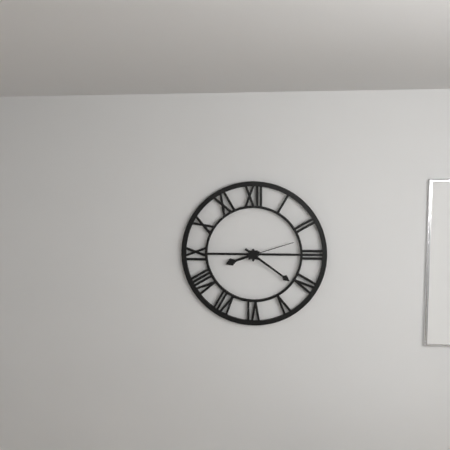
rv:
8h21m12s
